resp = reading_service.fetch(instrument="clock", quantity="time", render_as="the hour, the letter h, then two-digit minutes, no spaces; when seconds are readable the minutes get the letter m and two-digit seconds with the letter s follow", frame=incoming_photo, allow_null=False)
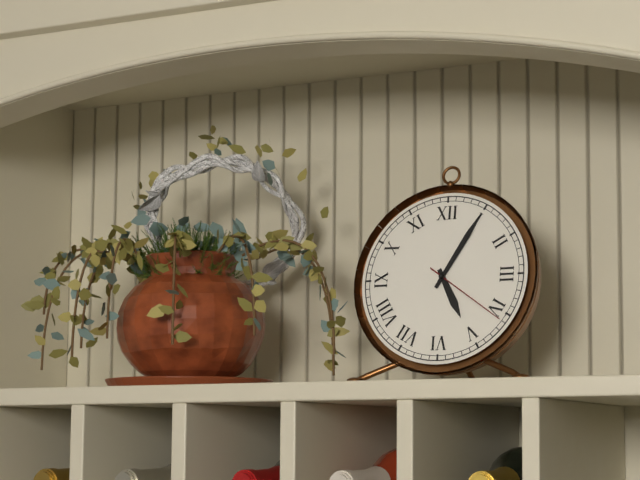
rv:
5h05m21s
